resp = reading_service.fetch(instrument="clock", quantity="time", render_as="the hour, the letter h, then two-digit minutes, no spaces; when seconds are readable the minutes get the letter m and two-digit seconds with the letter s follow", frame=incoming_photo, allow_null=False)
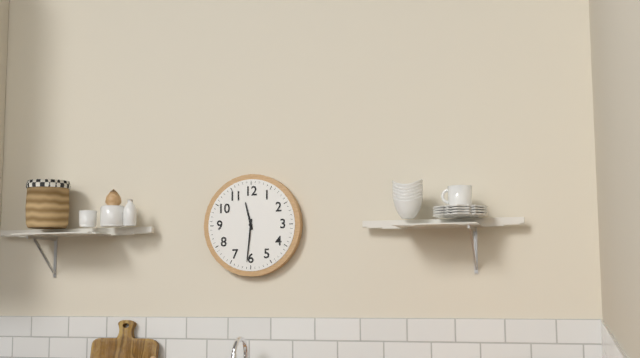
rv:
11h31
